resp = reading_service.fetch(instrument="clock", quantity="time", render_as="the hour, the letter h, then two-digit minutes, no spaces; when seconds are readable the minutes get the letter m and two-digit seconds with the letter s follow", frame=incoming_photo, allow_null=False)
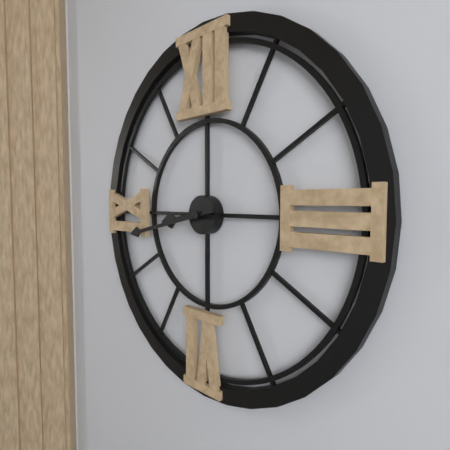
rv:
8h43
